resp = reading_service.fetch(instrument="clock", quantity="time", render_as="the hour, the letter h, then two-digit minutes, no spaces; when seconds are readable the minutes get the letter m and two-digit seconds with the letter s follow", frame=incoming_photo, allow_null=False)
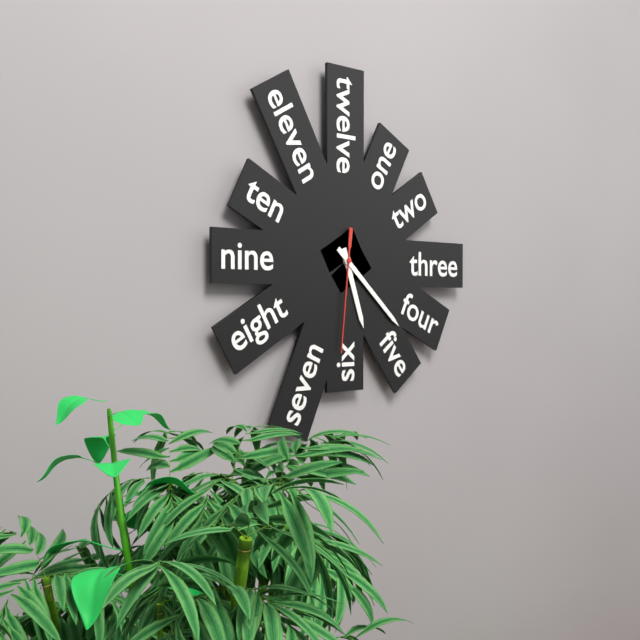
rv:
5h22m31s
